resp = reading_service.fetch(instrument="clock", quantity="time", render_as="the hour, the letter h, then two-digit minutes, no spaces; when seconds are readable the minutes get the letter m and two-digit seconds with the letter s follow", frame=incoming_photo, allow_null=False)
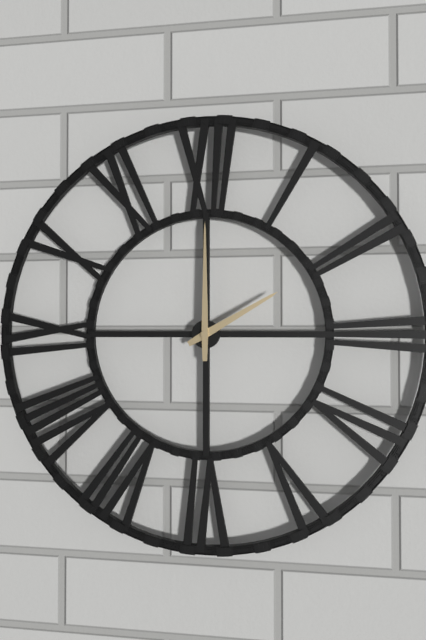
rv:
2h00
